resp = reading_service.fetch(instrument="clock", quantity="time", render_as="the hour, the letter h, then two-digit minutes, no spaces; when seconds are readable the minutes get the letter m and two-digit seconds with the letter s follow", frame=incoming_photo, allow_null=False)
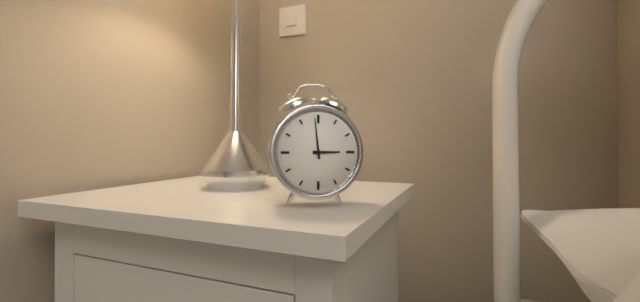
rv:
2h59
